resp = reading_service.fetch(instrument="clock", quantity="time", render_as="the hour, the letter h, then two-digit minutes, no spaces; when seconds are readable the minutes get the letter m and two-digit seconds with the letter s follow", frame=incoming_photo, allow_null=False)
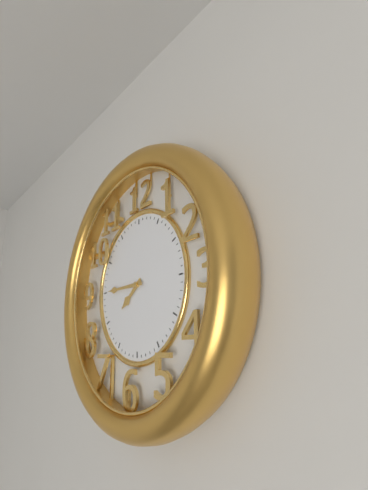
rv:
7h45
